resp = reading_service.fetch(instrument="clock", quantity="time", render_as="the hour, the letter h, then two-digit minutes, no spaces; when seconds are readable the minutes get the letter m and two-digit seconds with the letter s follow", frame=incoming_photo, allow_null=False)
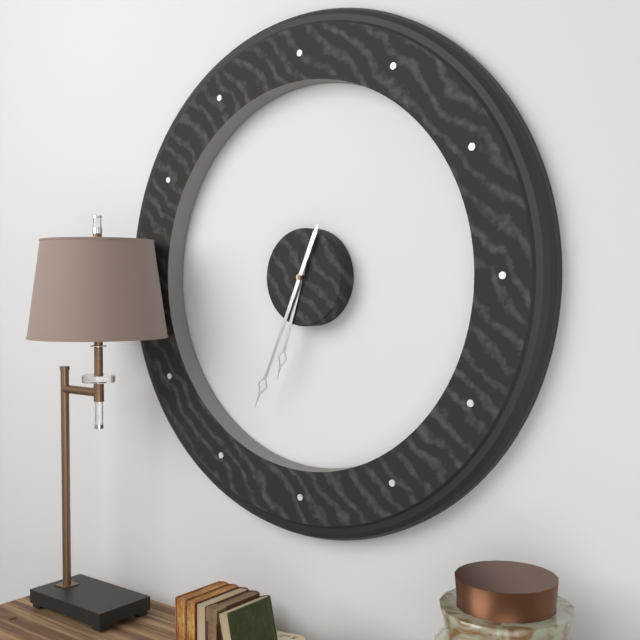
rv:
6h34
